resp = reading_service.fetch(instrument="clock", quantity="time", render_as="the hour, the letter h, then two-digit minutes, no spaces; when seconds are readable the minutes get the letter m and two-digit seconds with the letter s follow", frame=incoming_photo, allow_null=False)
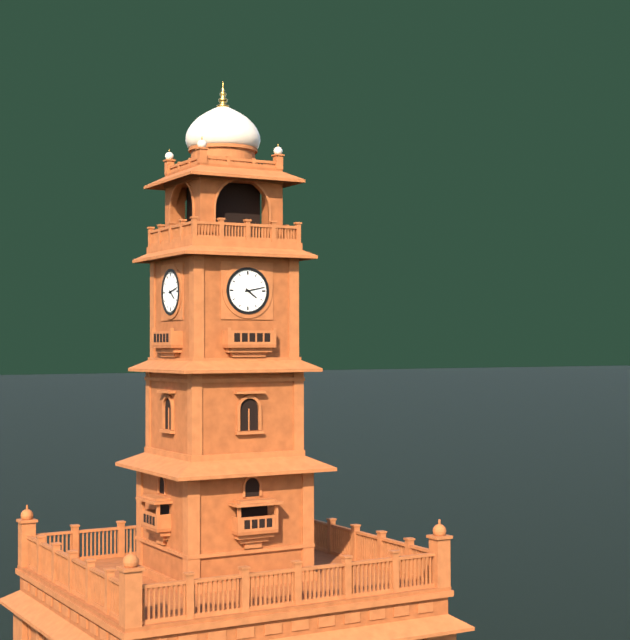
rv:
4h13
